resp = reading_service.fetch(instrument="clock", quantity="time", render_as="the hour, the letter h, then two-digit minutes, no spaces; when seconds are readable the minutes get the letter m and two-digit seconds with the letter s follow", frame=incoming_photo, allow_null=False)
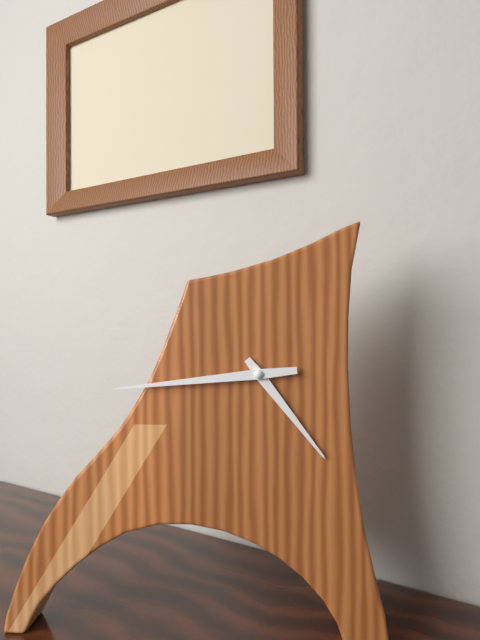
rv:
4h44
